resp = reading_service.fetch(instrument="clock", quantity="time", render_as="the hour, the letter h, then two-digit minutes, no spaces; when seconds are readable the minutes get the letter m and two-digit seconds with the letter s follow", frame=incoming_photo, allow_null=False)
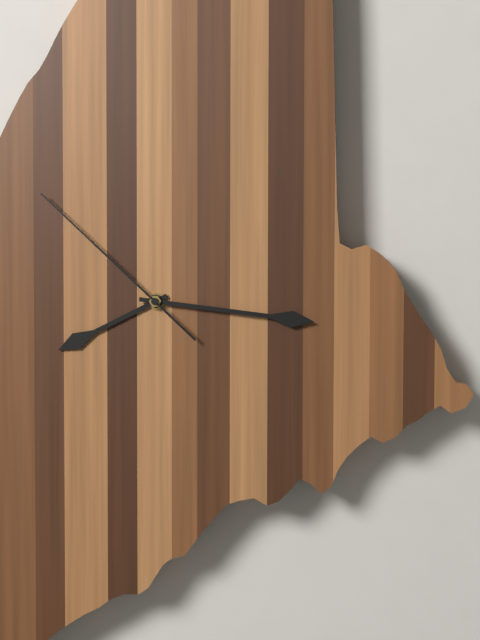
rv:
8h17m53s
